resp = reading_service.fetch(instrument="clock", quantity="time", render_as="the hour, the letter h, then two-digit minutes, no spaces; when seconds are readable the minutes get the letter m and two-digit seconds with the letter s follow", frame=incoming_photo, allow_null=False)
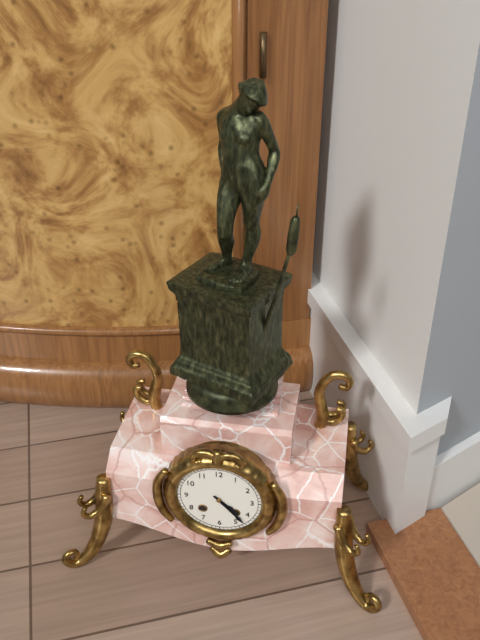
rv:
4h23
